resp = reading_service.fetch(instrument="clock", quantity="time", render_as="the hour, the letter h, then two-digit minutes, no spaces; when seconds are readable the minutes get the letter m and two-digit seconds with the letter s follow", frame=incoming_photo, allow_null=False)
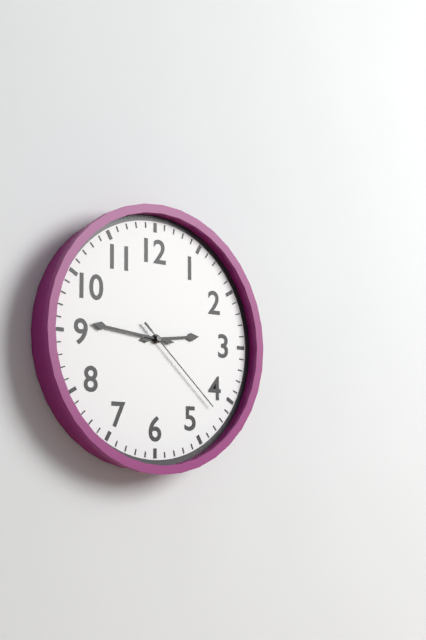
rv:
2h46m22s
